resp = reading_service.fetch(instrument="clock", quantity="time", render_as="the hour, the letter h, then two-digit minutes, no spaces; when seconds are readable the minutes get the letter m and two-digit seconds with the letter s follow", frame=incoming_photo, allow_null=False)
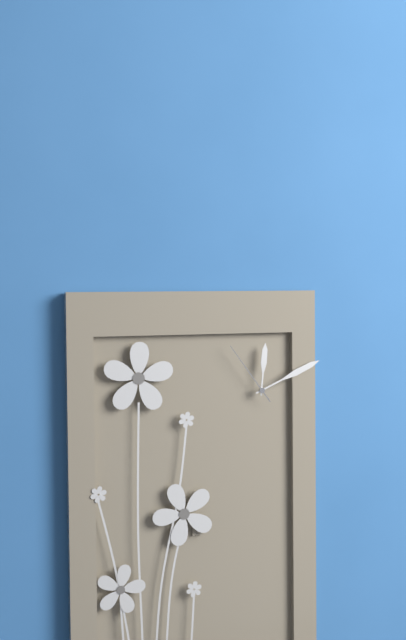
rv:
12h11m54s
